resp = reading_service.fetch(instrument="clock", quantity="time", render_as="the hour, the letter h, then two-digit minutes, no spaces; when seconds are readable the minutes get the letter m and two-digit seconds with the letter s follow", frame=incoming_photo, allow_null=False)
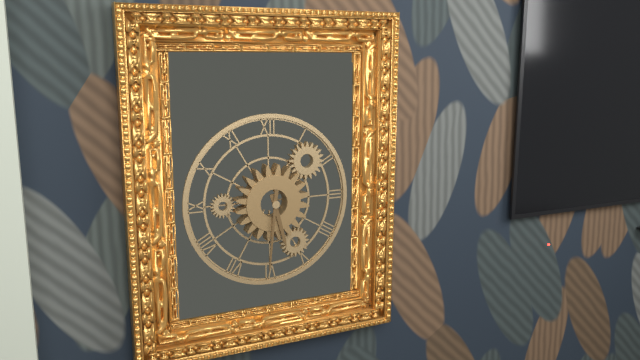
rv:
5h31
